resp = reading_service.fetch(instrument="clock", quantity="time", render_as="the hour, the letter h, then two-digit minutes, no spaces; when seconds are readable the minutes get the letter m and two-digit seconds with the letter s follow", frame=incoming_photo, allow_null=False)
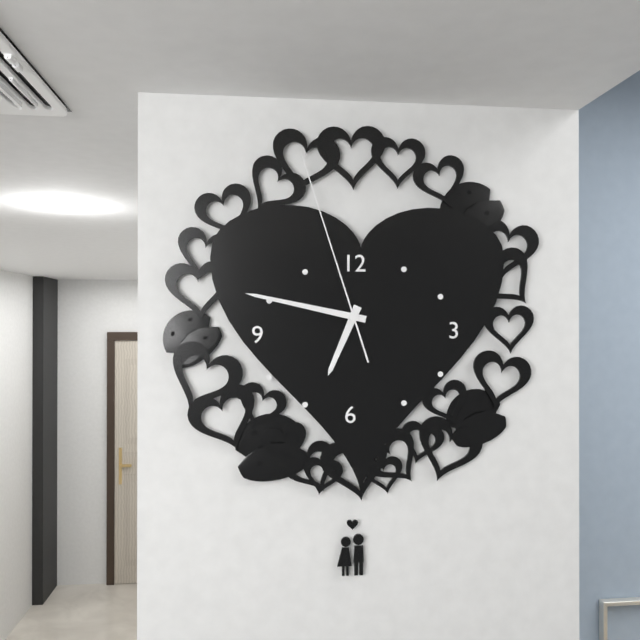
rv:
6h47m57s
